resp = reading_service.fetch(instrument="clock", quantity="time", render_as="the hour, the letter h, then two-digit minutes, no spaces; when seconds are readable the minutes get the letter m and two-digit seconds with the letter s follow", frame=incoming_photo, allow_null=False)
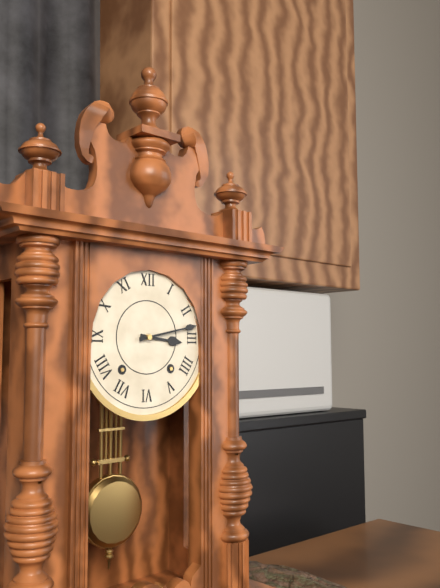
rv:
3h13
